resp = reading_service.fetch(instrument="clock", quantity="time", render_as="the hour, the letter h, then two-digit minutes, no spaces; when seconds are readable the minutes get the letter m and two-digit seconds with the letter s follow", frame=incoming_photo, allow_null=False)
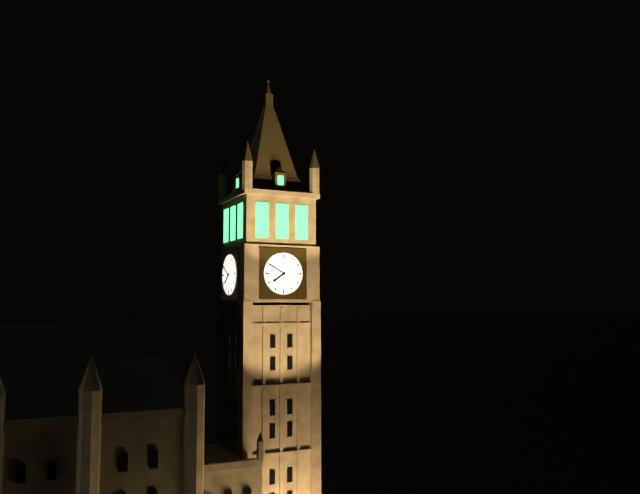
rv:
7h50
